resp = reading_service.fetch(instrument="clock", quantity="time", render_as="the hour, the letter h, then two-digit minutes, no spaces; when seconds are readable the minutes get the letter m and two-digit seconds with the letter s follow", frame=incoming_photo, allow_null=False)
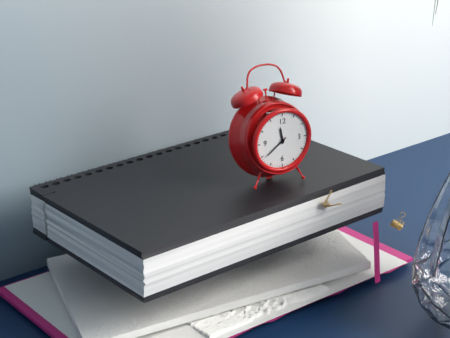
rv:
11h39
